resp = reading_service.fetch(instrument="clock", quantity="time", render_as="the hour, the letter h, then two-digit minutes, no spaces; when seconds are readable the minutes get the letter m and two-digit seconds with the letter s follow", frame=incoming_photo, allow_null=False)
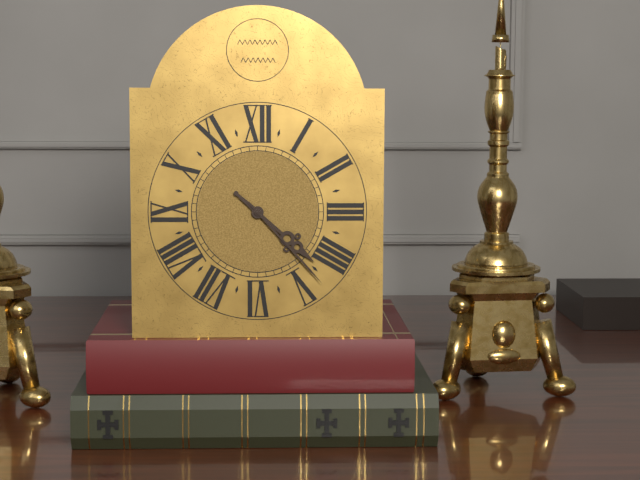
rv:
4h23
